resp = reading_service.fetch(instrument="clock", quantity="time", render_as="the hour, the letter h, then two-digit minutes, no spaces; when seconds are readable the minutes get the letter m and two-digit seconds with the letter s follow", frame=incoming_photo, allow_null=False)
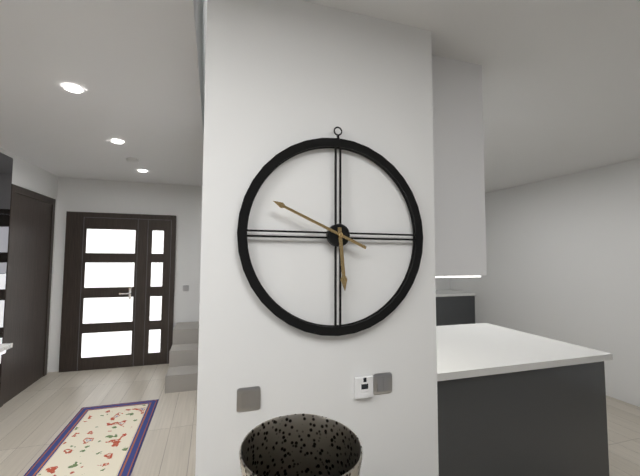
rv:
5h49
